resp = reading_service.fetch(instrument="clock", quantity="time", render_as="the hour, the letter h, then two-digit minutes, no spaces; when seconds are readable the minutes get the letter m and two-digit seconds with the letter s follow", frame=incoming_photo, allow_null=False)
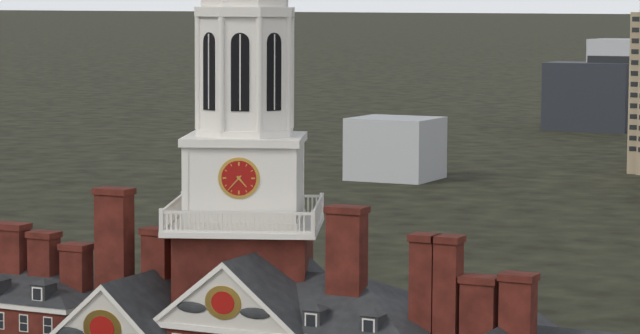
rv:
4h37
